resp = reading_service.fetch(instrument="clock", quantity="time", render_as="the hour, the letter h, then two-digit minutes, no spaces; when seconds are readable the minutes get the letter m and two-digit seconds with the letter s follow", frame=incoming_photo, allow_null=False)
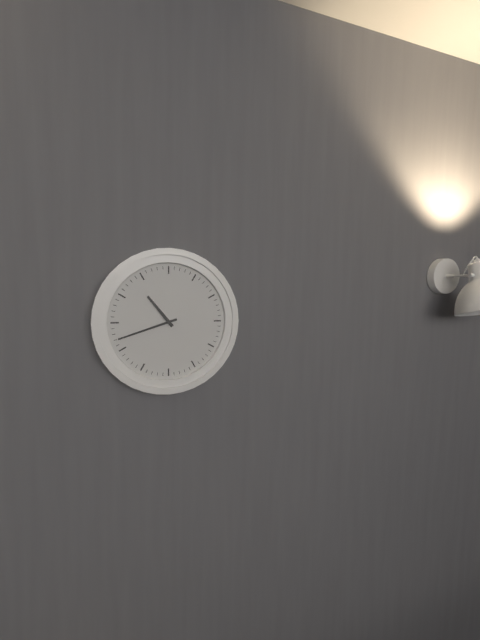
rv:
10h42
